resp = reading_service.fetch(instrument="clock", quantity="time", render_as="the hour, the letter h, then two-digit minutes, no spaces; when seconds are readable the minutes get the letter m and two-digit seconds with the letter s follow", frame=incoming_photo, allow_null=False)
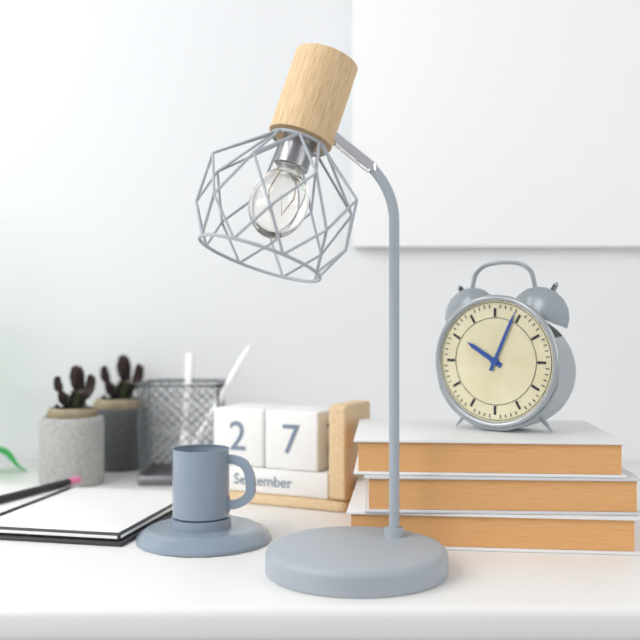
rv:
10h04
